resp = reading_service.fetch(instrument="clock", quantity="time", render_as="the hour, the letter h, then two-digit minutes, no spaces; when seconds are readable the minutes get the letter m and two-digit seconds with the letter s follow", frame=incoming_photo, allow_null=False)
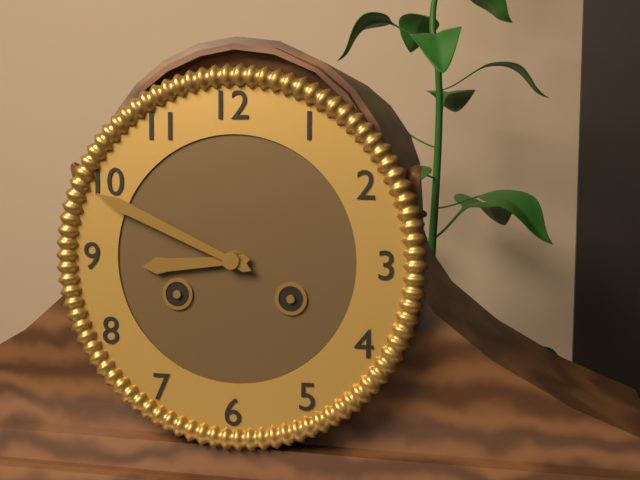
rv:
8h49
